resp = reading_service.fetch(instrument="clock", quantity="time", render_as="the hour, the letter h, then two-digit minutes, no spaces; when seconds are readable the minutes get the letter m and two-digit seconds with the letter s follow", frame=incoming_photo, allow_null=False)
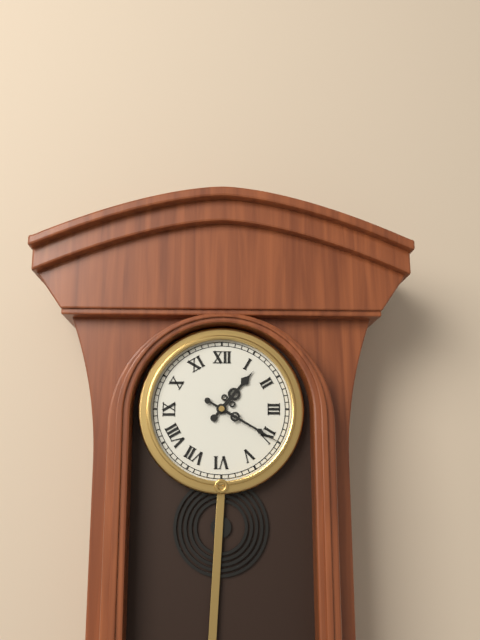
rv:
1h20
